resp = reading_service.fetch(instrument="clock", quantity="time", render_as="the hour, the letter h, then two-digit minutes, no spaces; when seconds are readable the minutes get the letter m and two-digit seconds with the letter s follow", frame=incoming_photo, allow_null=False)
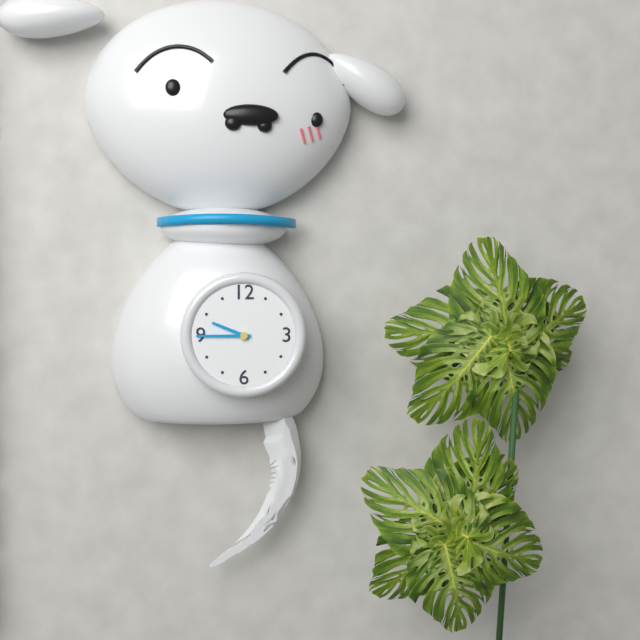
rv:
9h45
